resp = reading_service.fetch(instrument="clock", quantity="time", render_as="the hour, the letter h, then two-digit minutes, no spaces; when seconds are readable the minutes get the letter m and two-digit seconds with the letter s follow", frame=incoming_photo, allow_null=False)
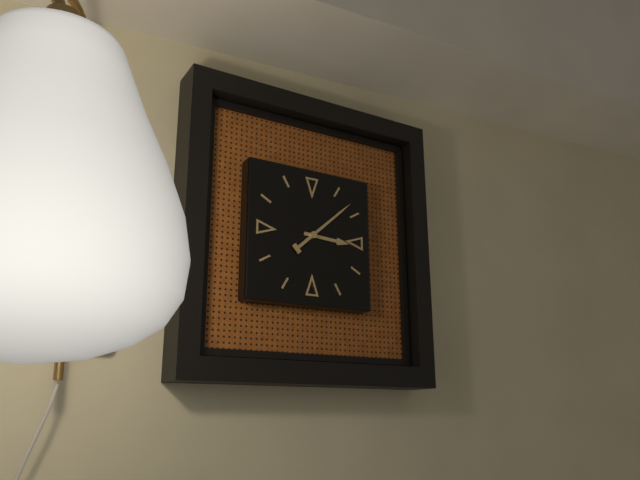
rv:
3h08
